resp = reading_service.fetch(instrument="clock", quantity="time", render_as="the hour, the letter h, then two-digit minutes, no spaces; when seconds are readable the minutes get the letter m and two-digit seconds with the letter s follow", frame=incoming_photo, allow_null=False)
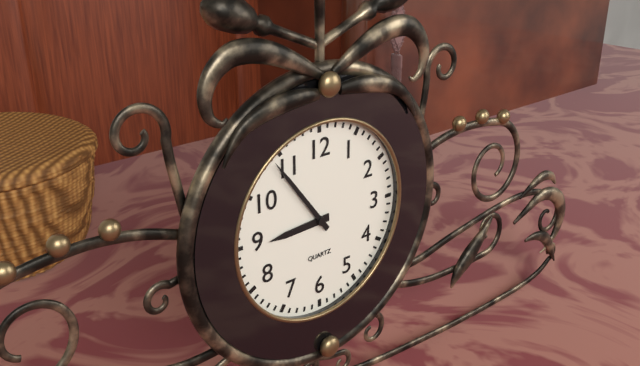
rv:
8h54
